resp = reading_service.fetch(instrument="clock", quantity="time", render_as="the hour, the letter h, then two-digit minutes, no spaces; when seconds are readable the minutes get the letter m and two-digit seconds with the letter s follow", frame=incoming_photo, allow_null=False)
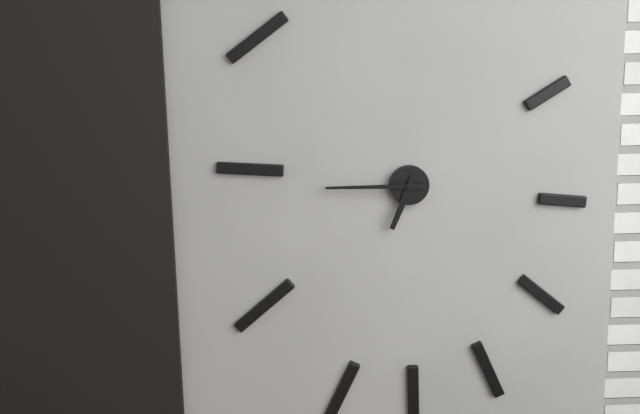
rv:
6h45
